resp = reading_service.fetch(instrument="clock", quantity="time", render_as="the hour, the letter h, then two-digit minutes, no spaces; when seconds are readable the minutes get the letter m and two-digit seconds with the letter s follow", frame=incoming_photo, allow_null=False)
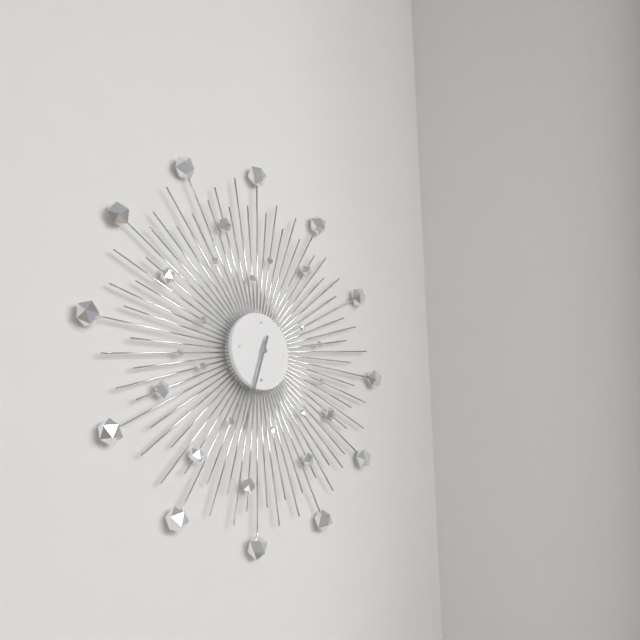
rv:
6h33
